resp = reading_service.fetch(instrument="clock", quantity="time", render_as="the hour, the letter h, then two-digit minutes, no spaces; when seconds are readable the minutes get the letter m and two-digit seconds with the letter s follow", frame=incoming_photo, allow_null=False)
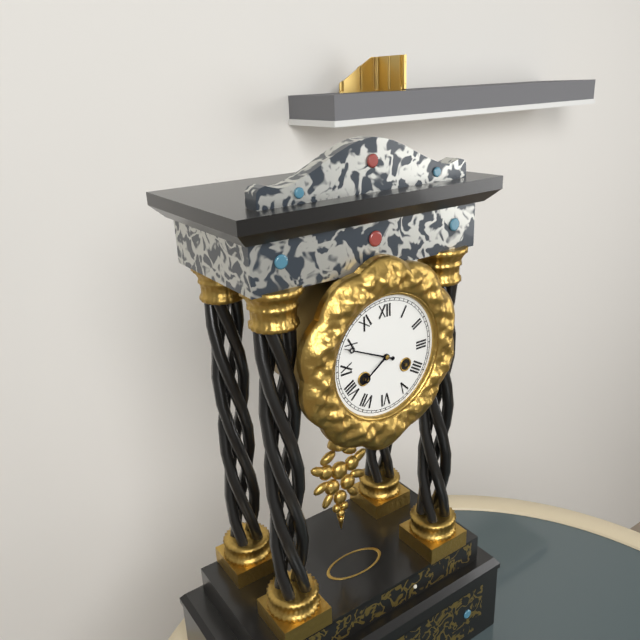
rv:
7h49
